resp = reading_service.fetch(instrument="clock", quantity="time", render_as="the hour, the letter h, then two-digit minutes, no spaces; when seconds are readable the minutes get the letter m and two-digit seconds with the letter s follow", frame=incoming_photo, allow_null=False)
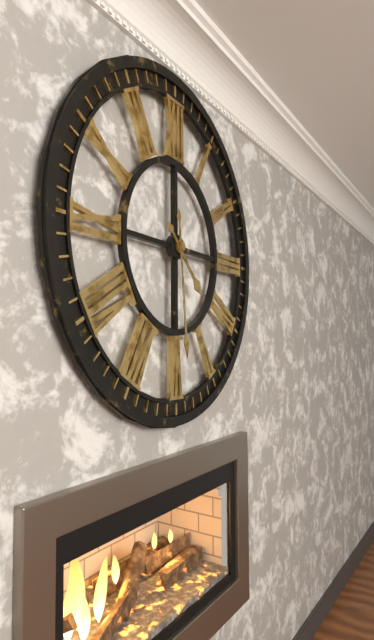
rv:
4h29
